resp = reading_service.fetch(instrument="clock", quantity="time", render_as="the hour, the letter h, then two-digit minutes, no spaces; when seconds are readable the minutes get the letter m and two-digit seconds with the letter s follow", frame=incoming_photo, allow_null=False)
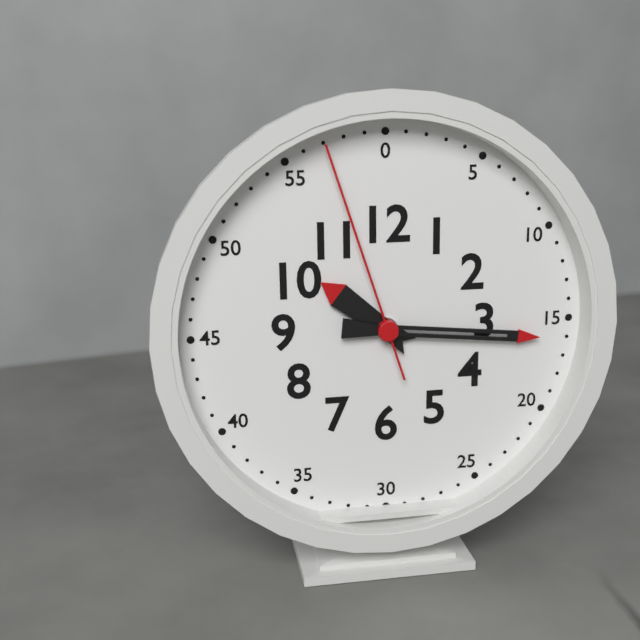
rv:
10h16m57s
